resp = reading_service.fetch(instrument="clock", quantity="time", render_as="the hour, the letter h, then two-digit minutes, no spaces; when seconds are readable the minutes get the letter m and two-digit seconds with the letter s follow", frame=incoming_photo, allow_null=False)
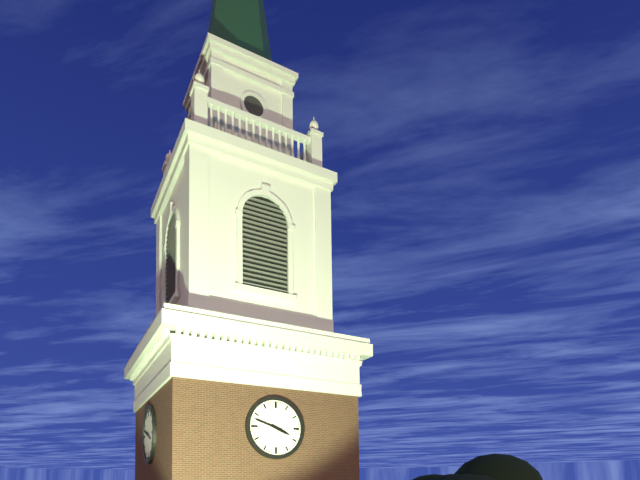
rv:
3h48
